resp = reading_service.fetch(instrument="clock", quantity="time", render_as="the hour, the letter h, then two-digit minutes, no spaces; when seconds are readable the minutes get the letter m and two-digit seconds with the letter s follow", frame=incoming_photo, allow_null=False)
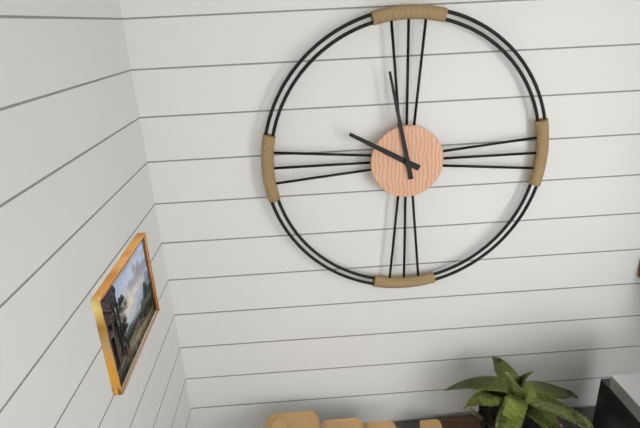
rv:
9h58
